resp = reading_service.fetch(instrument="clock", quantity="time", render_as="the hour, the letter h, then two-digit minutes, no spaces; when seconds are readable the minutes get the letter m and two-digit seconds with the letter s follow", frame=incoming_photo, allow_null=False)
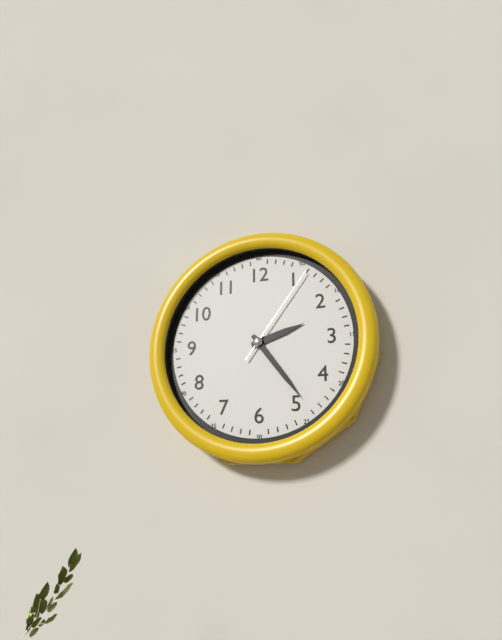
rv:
2h24m06s
